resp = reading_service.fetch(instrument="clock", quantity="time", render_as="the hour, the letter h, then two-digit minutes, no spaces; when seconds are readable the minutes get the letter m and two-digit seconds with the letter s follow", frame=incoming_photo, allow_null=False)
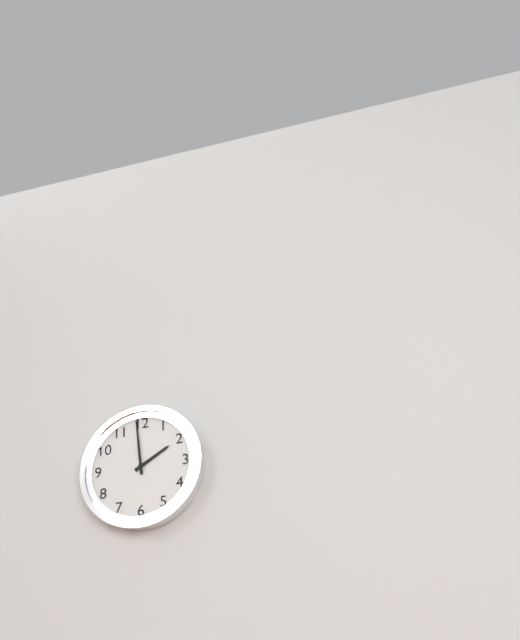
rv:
1h59
